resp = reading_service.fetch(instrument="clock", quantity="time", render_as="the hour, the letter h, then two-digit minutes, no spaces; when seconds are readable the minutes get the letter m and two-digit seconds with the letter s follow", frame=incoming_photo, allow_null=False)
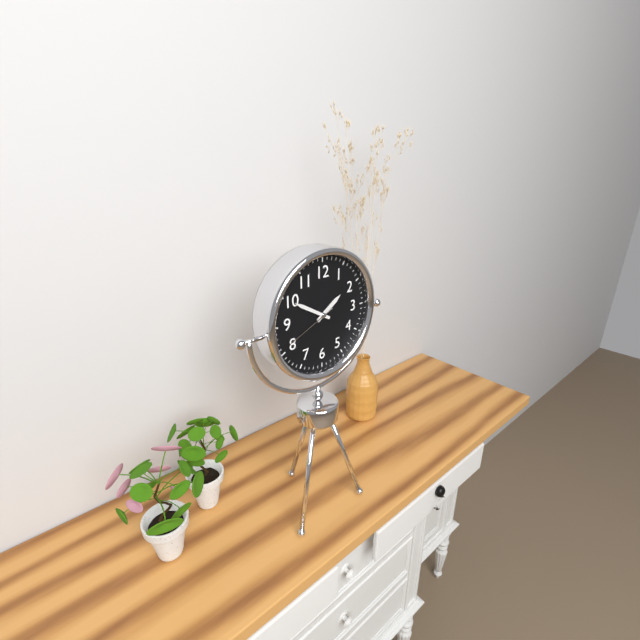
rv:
1h50m41s
